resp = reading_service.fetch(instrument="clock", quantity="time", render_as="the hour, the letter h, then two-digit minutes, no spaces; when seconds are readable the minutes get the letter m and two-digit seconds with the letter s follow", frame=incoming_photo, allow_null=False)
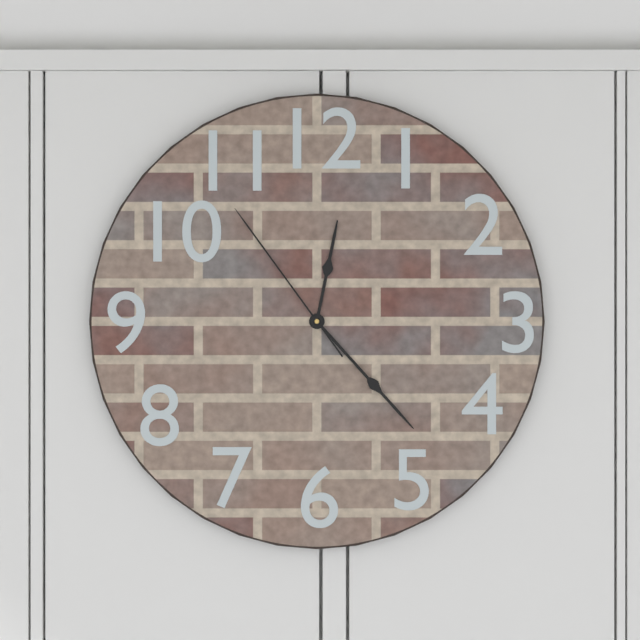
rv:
12h23m54s
